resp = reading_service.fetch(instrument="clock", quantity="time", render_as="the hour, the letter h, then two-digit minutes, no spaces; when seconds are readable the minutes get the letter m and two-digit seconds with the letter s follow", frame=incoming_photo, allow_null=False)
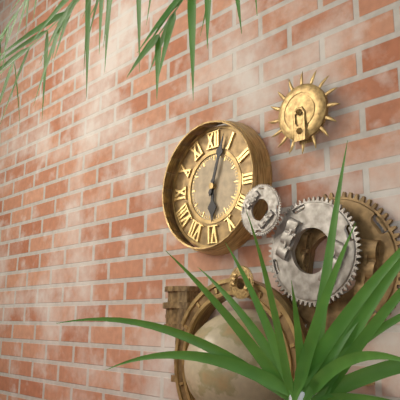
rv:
6h03
